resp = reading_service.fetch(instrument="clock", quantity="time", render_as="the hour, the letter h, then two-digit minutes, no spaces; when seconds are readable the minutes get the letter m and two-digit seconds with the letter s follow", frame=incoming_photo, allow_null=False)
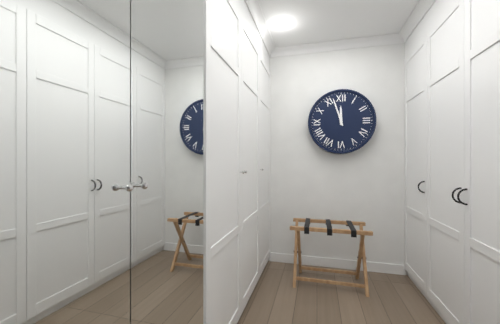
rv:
11h57
